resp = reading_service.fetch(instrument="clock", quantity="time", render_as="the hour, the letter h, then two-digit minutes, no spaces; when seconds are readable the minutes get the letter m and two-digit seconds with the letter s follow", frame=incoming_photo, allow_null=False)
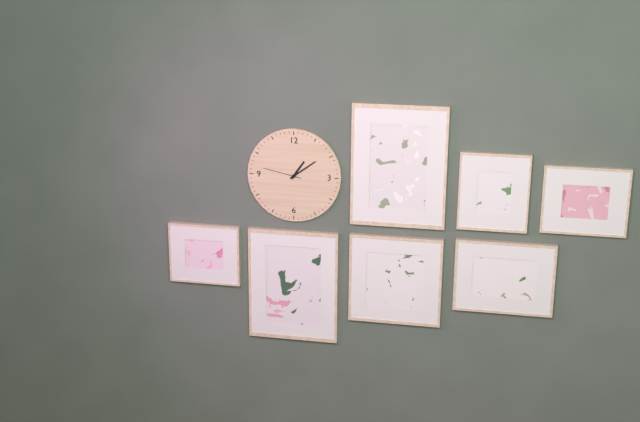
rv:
1h09
